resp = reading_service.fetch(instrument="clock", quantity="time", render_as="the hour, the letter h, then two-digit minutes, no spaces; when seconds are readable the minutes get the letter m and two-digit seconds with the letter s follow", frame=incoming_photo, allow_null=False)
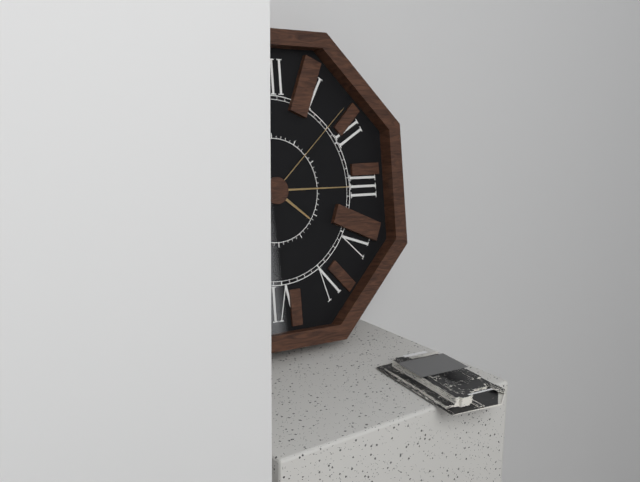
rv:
4h15m08s
